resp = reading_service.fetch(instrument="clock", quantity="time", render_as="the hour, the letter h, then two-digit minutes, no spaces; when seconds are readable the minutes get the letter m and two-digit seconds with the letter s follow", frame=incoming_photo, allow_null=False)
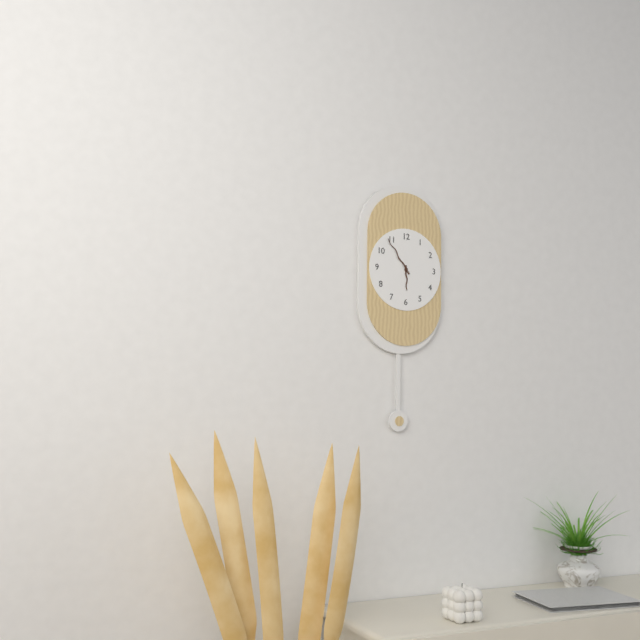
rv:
5h54
